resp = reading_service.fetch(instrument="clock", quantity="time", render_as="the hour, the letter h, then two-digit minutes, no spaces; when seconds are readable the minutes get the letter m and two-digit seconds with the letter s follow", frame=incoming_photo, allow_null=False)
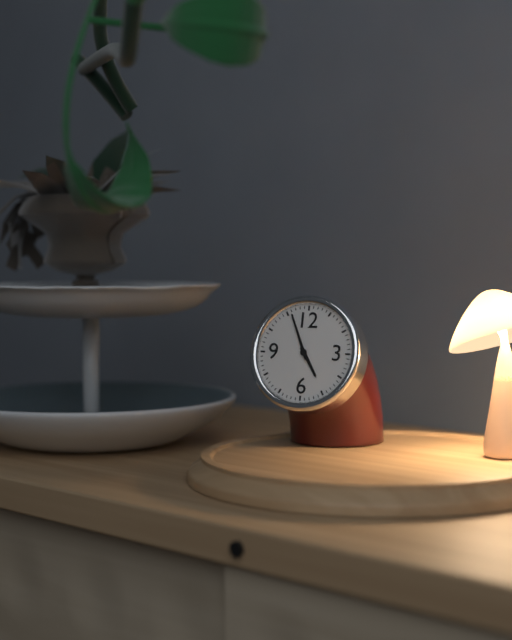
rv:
4h56
